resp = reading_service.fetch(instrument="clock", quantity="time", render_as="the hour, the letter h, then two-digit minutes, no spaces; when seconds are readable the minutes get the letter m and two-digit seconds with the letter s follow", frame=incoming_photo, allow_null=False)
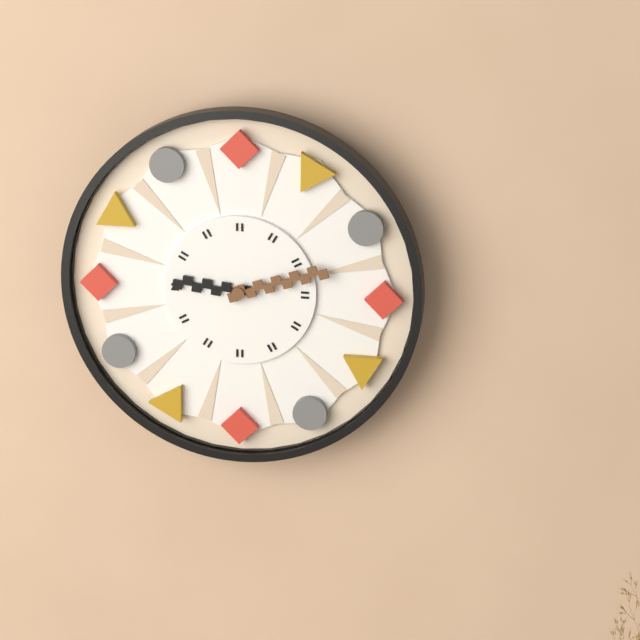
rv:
9h12
